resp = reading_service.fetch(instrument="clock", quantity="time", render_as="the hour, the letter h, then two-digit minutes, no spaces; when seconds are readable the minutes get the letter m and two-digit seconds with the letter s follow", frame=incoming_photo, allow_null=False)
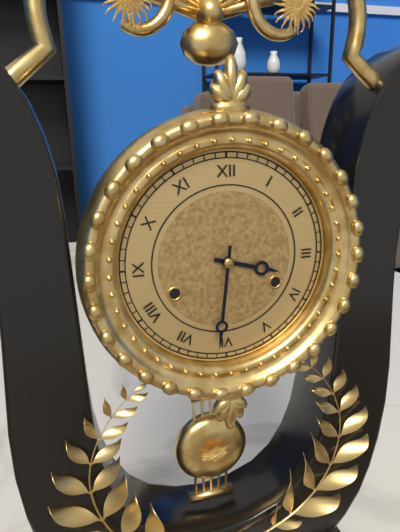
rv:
3h31
